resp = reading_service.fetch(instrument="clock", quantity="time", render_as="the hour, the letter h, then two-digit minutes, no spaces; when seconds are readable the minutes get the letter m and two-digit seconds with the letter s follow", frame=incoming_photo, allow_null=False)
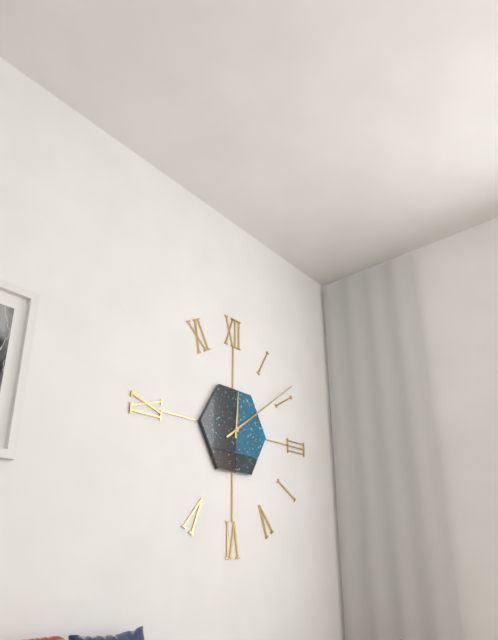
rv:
12h09
